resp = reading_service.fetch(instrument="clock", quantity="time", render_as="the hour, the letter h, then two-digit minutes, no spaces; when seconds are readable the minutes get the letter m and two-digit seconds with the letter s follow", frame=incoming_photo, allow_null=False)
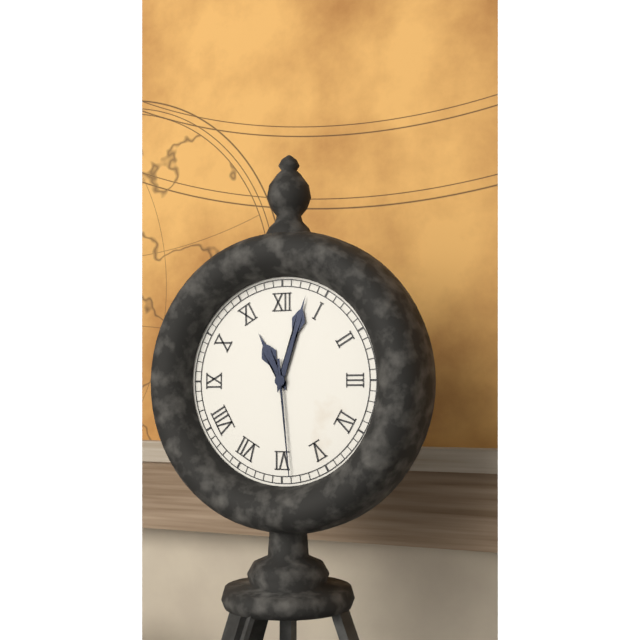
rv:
11h03m29s
